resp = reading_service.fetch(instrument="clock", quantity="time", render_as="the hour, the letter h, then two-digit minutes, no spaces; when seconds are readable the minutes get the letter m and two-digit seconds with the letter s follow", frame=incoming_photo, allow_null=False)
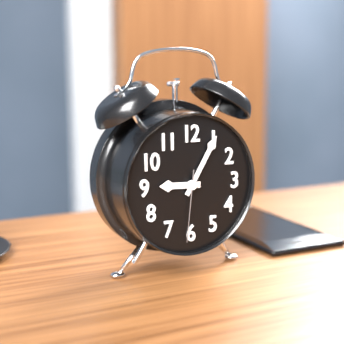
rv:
9h05m31s
